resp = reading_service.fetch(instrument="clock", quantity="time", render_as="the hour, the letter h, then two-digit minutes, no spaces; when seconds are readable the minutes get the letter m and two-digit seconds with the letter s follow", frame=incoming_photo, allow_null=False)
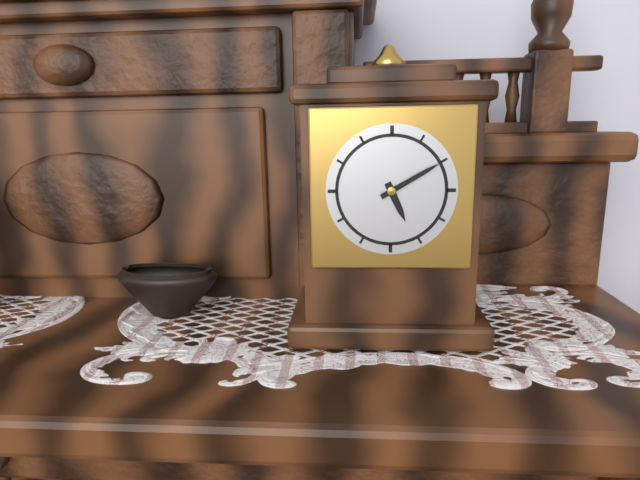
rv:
5h10
